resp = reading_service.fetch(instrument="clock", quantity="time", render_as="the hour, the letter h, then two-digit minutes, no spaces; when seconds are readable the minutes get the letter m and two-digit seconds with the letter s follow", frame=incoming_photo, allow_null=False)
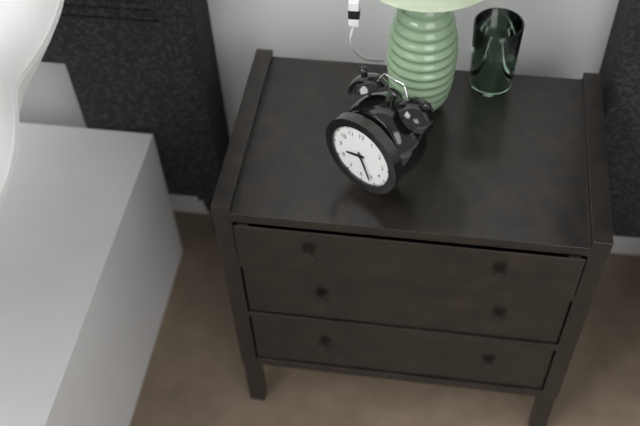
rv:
8h26
